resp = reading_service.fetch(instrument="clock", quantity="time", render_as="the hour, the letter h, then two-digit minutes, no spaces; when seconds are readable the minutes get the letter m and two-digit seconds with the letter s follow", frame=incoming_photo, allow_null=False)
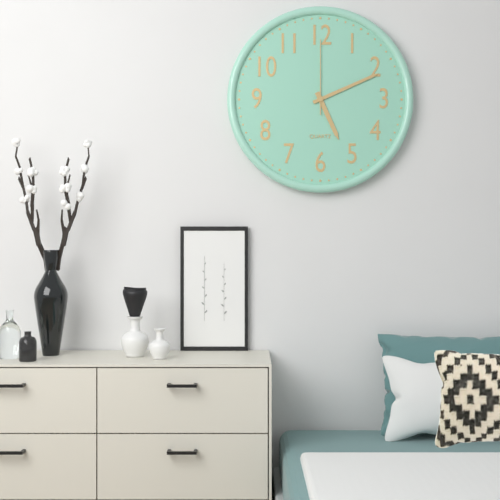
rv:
5h11m00s
